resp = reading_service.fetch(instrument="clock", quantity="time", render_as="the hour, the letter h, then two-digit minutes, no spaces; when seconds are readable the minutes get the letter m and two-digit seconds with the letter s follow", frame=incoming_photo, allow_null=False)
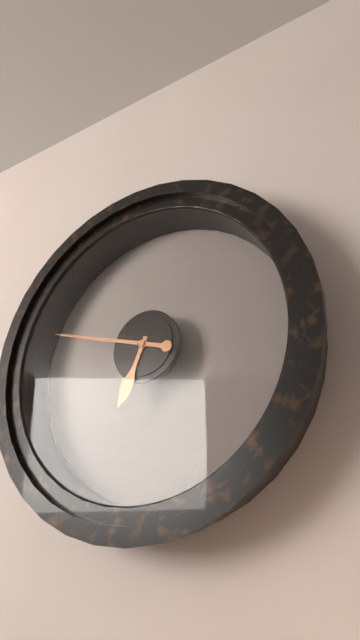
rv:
6h48
